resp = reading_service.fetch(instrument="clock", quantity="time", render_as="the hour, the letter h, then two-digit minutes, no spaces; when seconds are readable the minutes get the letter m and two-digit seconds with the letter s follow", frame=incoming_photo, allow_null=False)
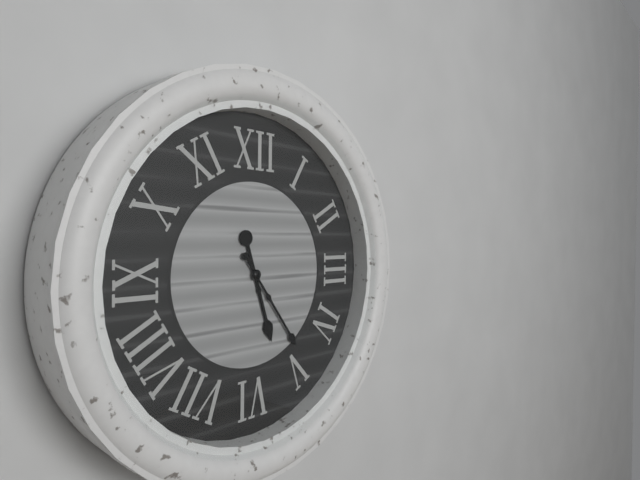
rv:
5h24
